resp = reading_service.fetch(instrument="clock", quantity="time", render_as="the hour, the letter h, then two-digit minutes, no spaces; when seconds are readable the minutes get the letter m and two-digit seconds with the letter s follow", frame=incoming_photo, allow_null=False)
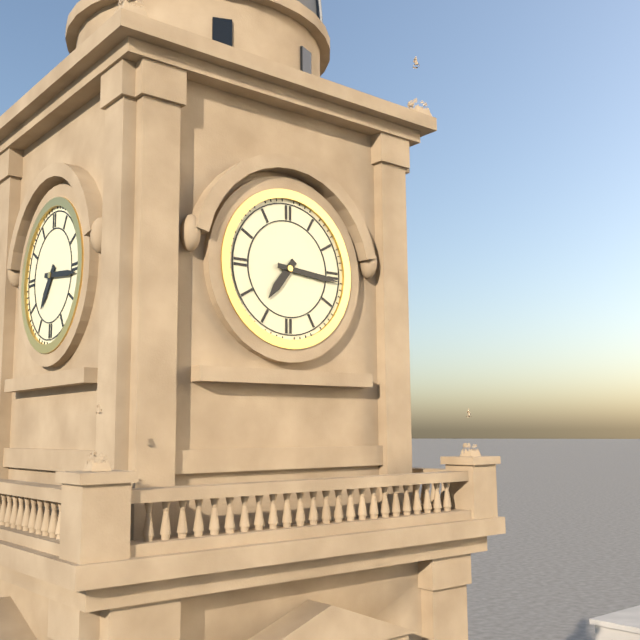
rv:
7h16
